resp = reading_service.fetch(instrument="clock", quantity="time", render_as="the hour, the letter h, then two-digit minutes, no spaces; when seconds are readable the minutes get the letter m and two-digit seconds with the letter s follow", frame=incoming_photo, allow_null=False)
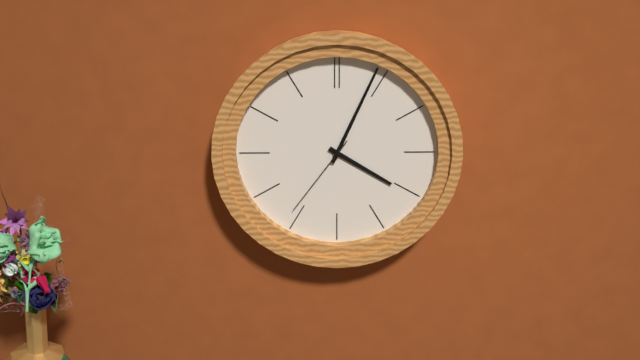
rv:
4h04m36s
